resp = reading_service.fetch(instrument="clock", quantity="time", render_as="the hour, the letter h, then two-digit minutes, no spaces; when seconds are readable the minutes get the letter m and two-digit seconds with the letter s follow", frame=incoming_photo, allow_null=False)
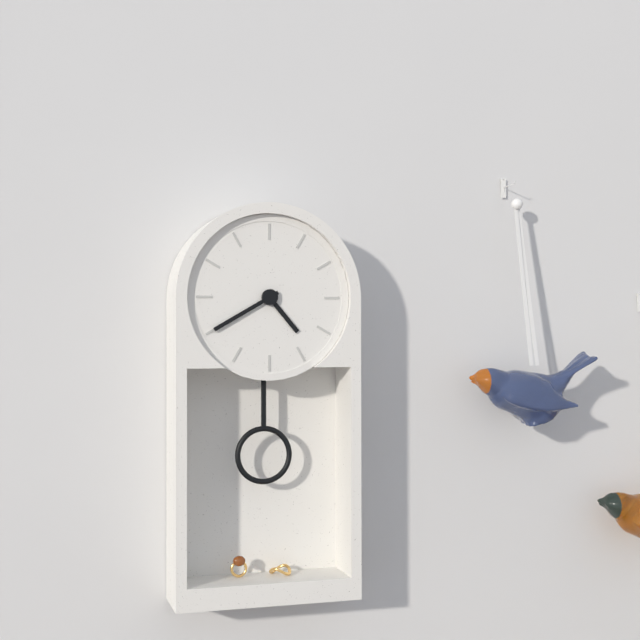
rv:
4h40
